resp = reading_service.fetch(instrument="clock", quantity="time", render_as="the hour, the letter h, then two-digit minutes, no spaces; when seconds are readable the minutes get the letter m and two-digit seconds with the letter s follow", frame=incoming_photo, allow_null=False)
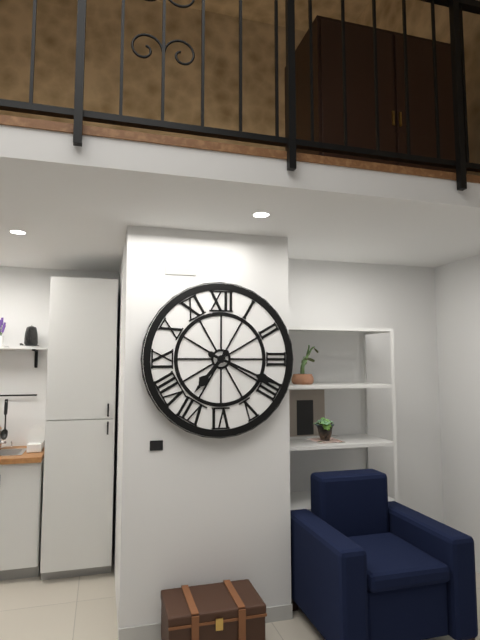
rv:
7h19
